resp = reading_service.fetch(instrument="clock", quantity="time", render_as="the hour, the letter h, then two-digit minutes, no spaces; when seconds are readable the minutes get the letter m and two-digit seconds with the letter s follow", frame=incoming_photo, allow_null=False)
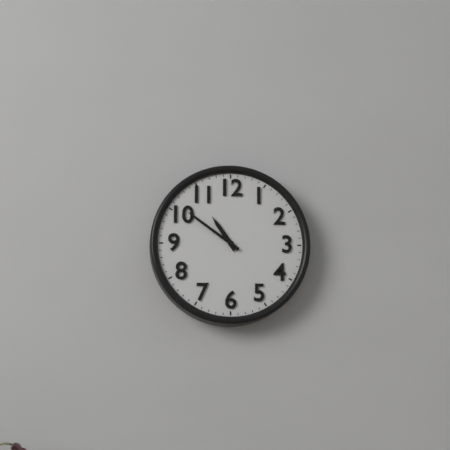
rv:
10h51
